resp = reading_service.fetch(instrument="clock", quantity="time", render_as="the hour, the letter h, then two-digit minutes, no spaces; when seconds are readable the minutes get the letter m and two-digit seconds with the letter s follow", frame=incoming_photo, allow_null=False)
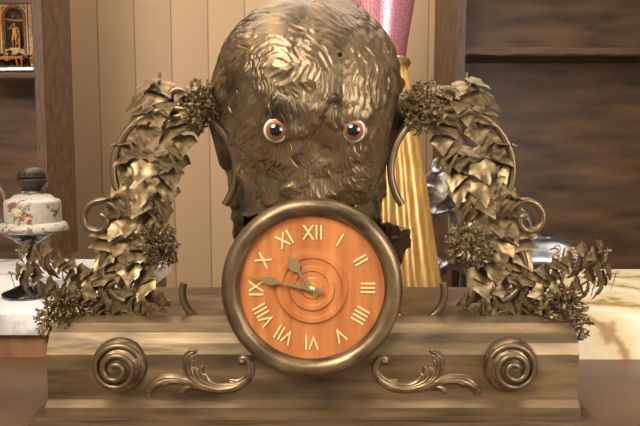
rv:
10h47
